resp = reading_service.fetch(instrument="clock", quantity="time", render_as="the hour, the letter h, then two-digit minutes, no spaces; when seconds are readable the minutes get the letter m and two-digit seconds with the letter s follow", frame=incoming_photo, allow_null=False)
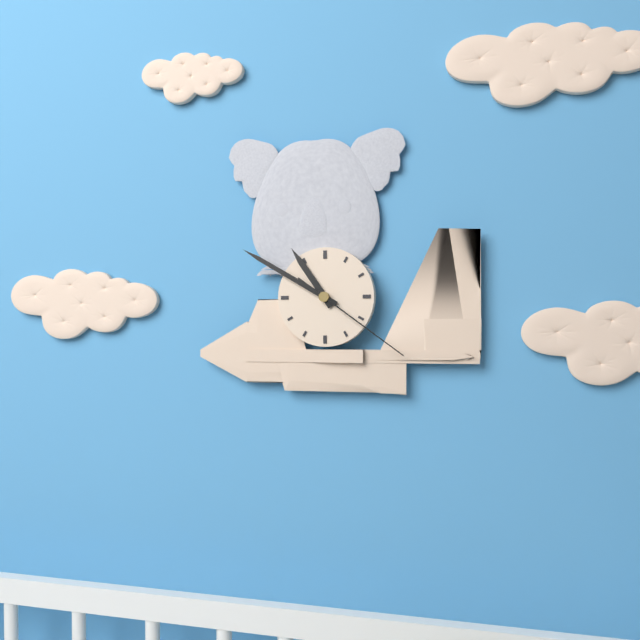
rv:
10h50m21s
